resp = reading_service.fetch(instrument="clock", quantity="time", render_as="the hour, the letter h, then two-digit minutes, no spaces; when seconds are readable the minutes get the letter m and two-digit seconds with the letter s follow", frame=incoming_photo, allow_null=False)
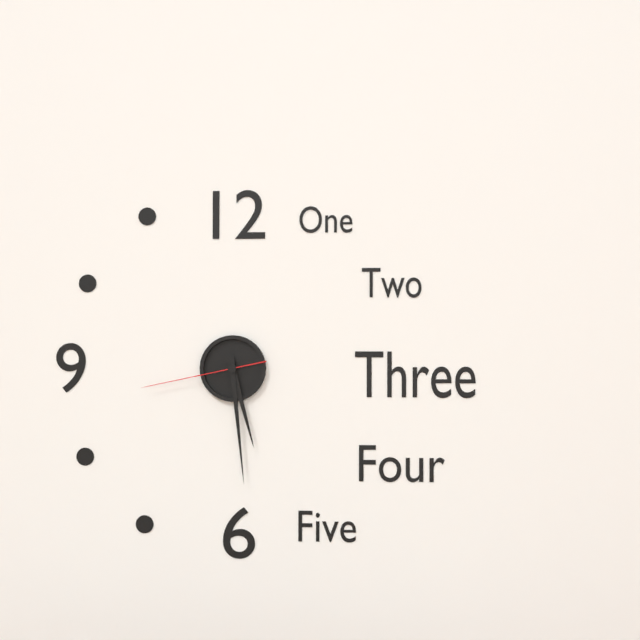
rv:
5h29m43s
